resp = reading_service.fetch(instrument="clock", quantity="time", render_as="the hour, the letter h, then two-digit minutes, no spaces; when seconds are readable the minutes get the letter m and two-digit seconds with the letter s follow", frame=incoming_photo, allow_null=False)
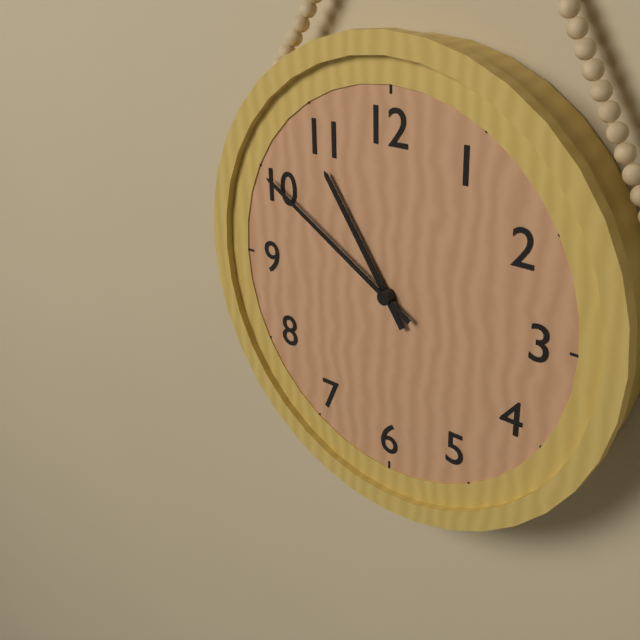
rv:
10h50
